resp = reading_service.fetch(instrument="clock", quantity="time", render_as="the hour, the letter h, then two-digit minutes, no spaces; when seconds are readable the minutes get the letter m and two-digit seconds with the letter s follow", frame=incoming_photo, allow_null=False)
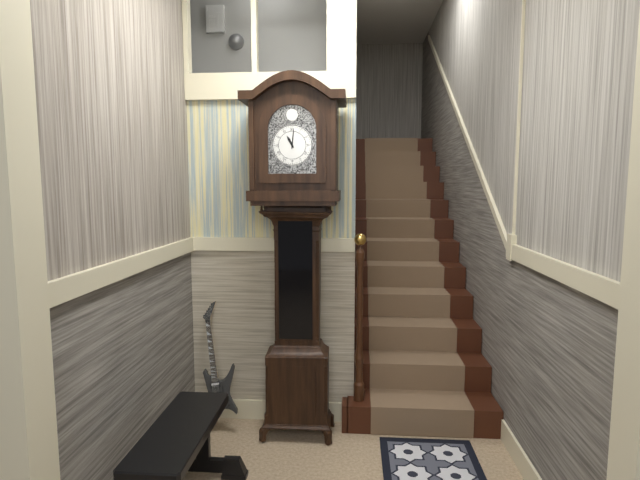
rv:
11h01
